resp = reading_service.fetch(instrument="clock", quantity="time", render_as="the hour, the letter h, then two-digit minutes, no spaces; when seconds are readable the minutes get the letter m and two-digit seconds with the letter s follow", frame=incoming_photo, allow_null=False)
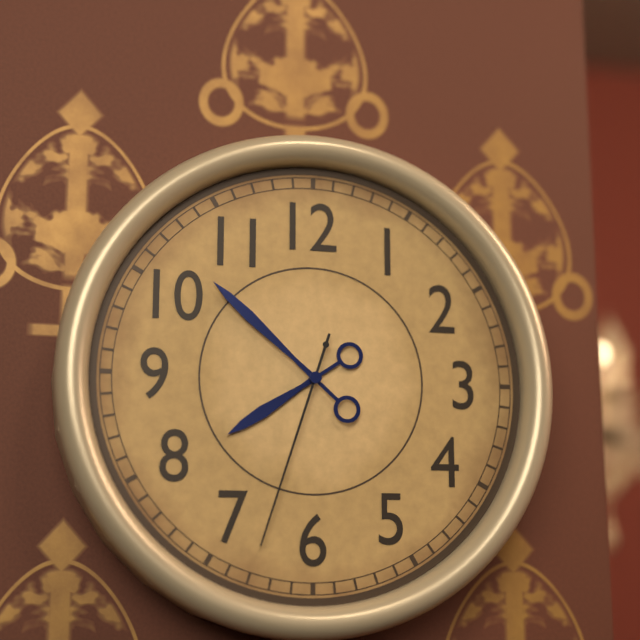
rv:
7h52m33s
